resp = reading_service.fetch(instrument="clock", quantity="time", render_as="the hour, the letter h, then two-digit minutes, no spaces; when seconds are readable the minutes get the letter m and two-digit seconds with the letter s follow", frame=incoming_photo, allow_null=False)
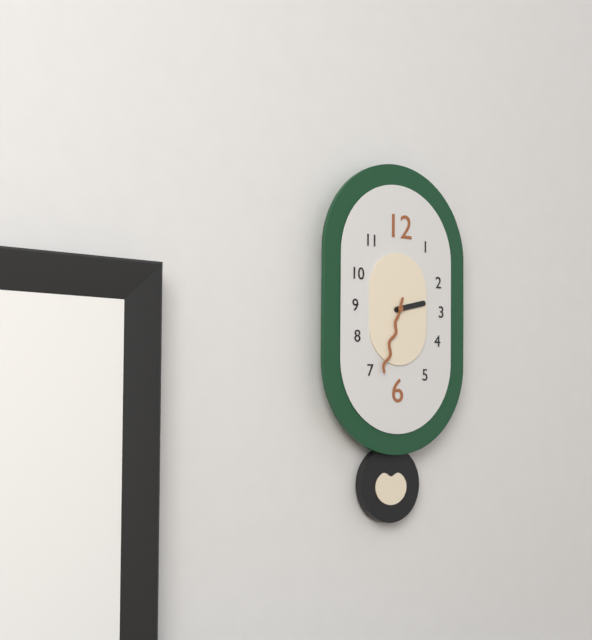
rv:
2h33
